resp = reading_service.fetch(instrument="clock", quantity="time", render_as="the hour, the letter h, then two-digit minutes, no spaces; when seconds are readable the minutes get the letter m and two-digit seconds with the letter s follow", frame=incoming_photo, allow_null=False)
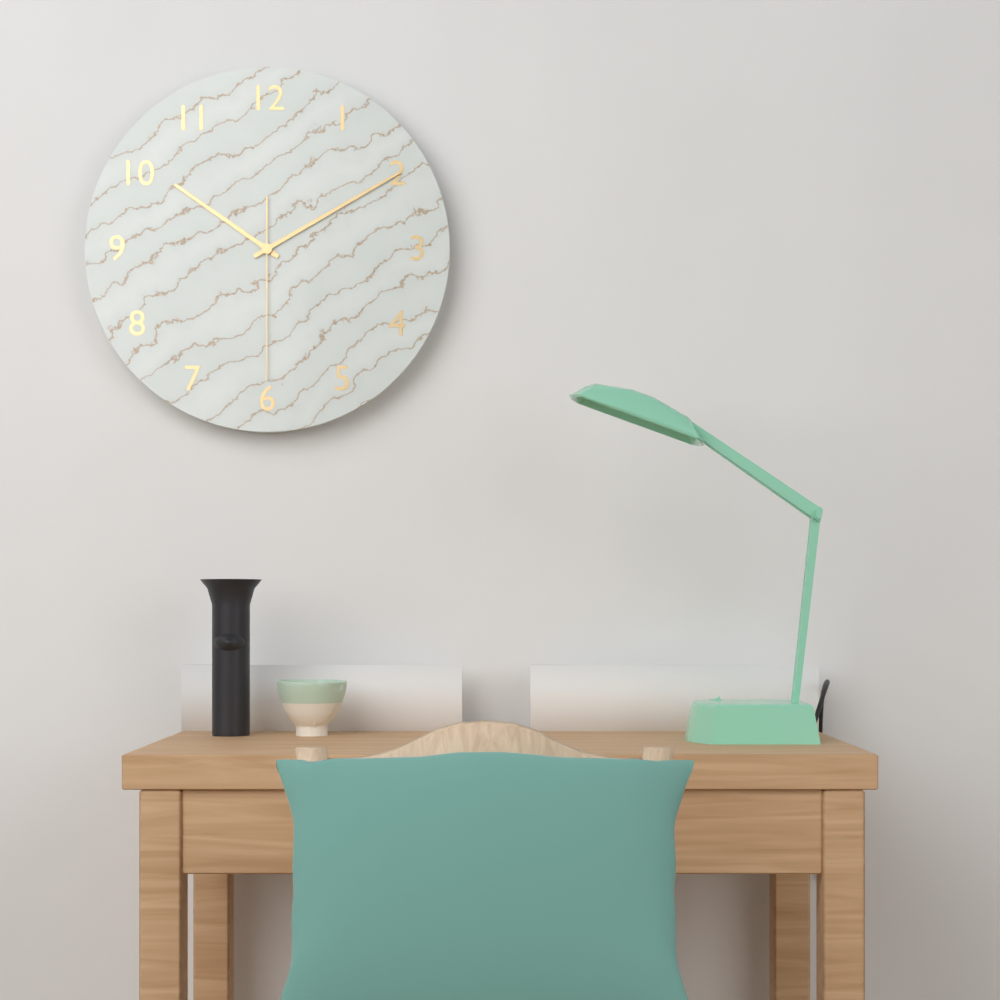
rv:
10h10m30s
